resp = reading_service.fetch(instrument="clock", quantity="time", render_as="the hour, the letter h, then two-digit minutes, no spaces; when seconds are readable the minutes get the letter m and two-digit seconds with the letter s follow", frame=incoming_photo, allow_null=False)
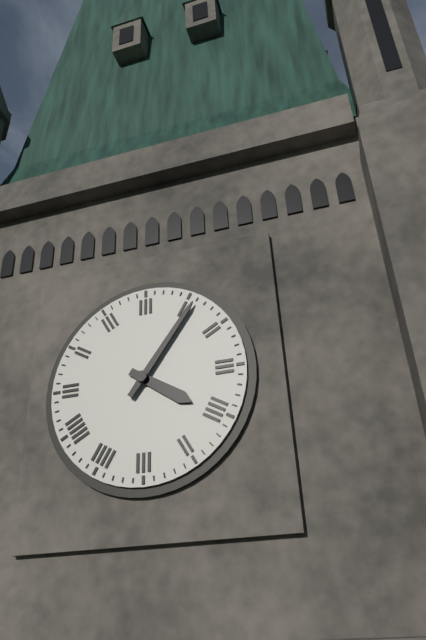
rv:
4h06
